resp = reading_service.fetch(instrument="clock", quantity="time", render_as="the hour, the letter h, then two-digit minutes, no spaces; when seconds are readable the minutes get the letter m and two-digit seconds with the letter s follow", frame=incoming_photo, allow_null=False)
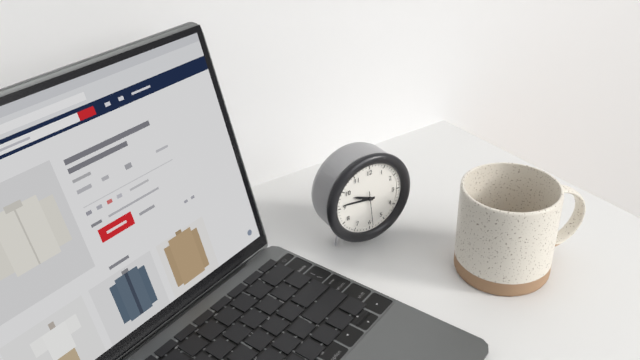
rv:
9h46
